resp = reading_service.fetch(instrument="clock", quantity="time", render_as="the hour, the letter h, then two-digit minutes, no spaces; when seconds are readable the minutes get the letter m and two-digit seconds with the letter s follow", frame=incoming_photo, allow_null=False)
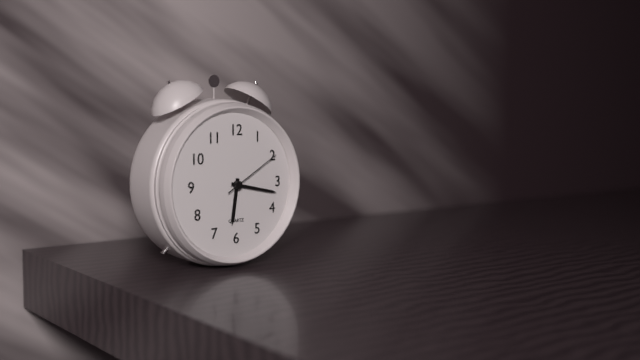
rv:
6h17m10s
